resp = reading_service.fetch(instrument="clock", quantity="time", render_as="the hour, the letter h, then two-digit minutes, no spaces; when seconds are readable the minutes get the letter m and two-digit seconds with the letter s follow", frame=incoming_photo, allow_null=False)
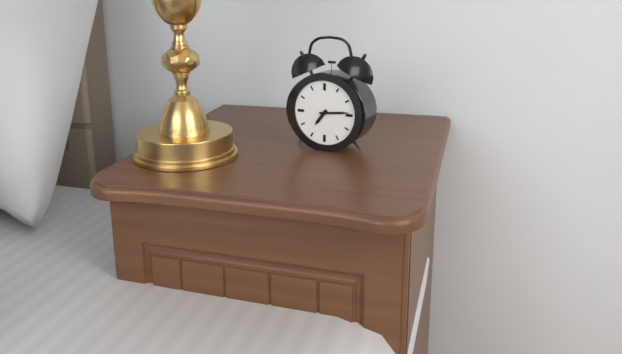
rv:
7h14
